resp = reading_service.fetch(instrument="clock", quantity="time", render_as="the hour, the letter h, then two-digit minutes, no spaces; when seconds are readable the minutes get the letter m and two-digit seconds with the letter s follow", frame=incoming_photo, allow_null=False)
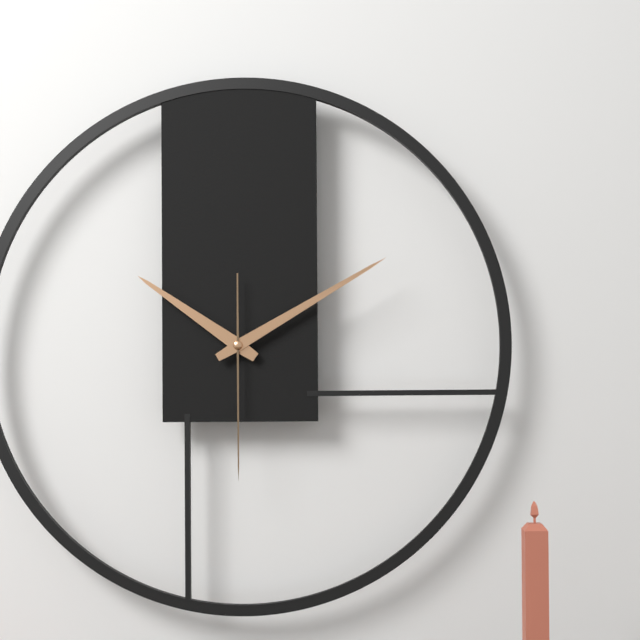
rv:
10h10m30s
